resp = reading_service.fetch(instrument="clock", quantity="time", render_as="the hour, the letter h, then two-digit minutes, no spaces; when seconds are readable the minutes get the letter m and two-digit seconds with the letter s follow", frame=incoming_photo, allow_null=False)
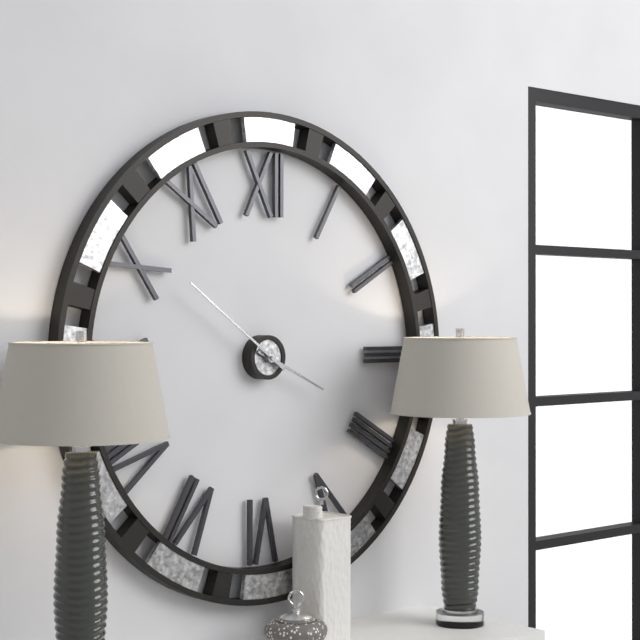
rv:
3h51
